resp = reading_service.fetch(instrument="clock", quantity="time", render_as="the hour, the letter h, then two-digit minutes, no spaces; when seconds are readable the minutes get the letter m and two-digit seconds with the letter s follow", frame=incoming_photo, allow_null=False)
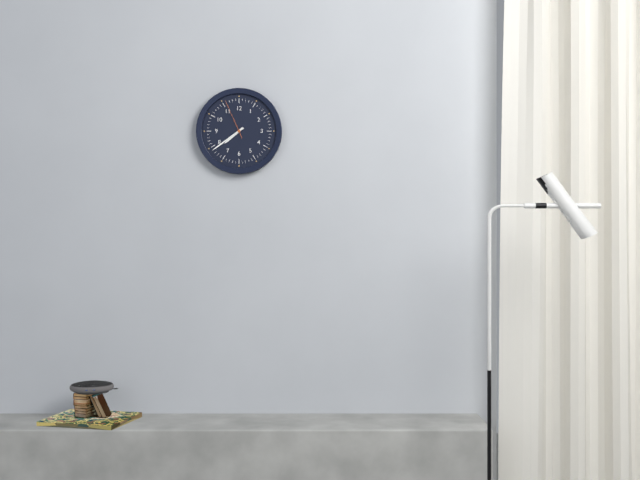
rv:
7h39
